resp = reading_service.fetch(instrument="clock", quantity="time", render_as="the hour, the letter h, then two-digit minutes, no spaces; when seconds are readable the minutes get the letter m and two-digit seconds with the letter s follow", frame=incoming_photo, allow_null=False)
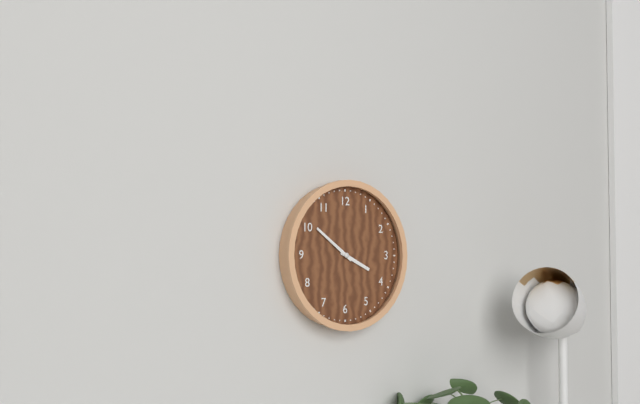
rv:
3h51
